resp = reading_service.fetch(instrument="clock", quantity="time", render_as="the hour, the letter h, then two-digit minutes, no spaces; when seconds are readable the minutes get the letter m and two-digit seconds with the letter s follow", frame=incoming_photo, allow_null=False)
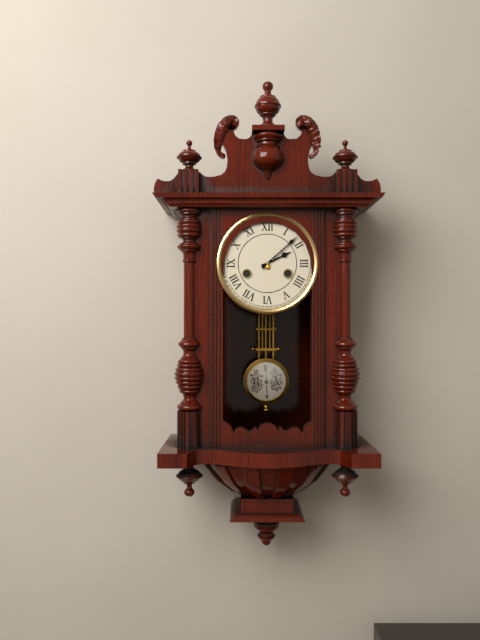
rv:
2h08
